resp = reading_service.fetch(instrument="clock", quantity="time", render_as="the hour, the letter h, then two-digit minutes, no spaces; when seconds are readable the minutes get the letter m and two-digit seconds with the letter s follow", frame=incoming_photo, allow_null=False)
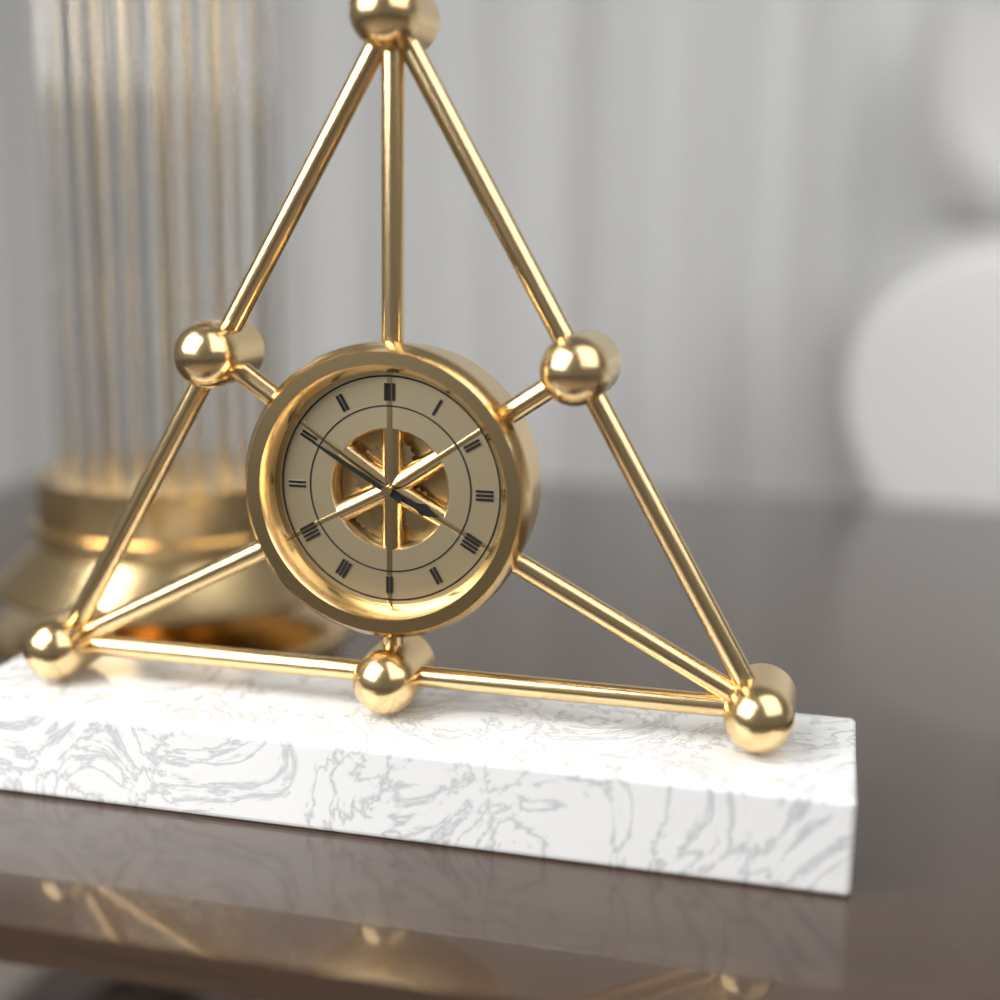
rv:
3h50
